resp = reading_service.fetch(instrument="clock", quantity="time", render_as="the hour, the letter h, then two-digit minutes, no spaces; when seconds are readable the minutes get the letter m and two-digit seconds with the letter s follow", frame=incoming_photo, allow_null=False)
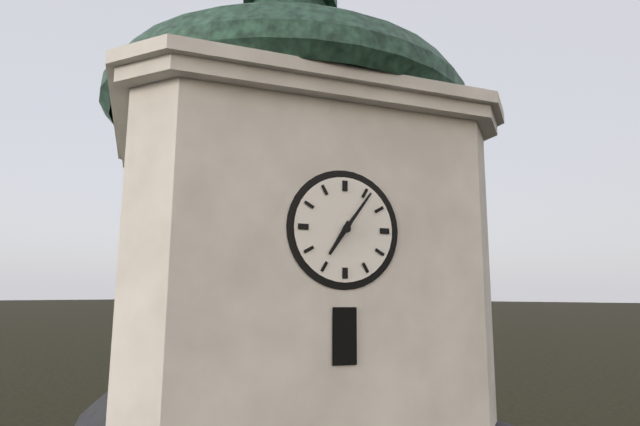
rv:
7h06
